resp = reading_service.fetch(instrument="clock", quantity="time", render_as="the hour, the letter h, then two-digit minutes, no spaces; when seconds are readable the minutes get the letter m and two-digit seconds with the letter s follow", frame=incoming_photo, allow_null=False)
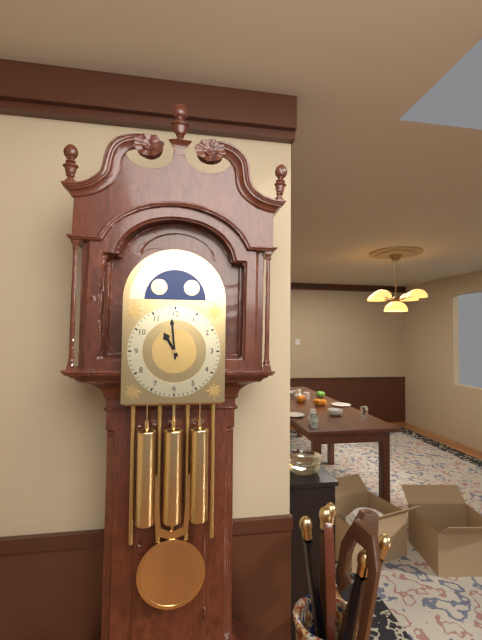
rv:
10h59
